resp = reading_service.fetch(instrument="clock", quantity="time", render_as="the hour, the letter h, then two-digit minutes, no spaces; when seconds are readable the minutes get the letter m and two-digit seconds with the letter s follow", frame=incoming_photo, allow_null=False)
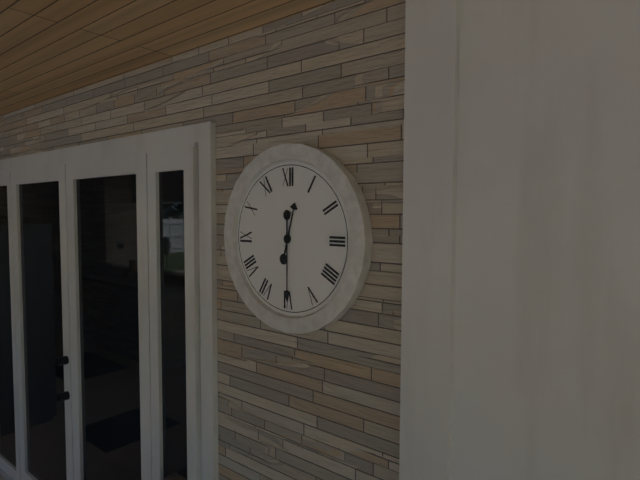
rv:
12h30
